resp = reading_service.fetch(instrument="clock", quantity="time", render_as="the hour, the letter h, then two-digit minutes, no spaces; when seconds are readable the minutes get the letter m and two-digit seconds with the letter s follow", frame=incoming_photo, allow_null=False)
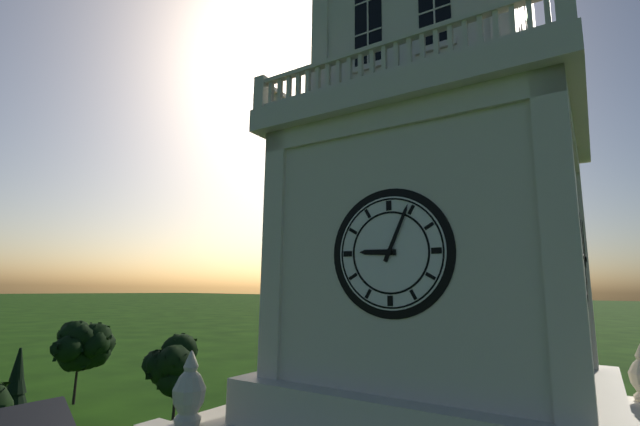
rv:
9h04
